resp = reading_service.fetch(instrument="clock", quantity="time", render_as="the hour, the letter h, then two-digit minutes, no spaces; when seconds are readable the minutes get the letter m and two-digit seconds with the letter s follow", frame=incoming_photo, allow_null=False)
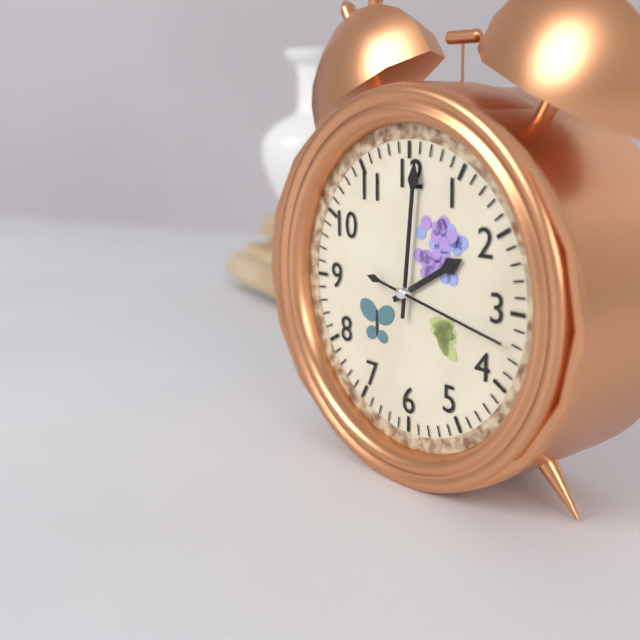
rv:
2h01m17s
